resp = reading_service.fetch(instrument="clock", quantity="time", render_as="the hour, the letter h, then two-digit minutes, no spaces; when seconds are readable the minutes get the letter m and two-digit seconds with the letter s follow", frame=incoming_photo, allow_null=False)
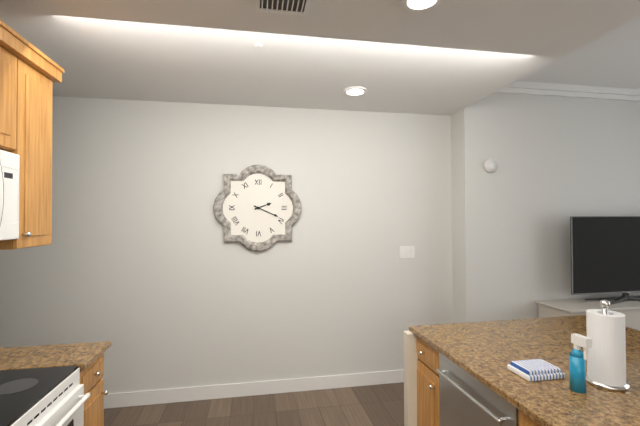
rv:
2h19
